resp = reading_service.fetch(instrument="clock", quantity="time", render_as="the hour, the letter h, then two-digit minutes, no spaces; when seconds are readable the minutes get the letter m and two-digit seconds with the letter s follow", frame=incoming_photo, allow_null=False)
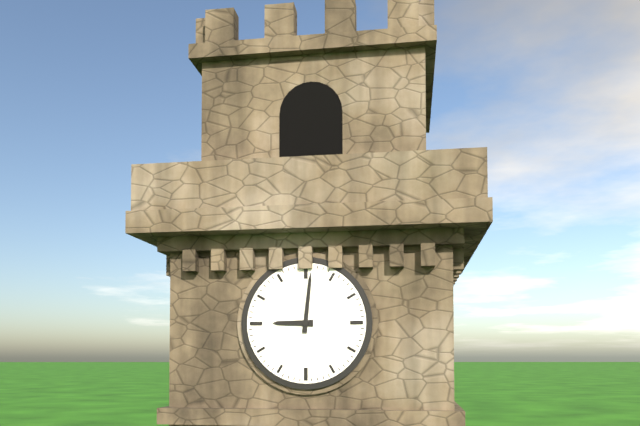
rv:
9h01
